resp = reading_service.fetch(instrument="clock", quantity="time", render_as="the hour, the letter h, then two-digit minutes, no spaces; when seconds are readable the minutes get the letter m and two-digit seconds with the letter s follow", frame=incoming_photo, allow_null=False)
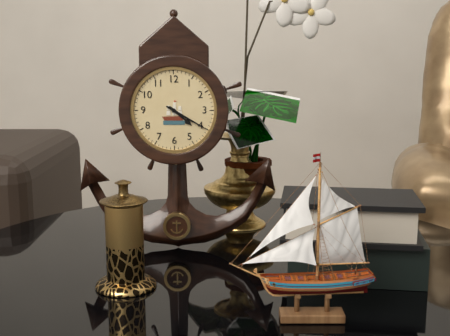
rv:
4h20
